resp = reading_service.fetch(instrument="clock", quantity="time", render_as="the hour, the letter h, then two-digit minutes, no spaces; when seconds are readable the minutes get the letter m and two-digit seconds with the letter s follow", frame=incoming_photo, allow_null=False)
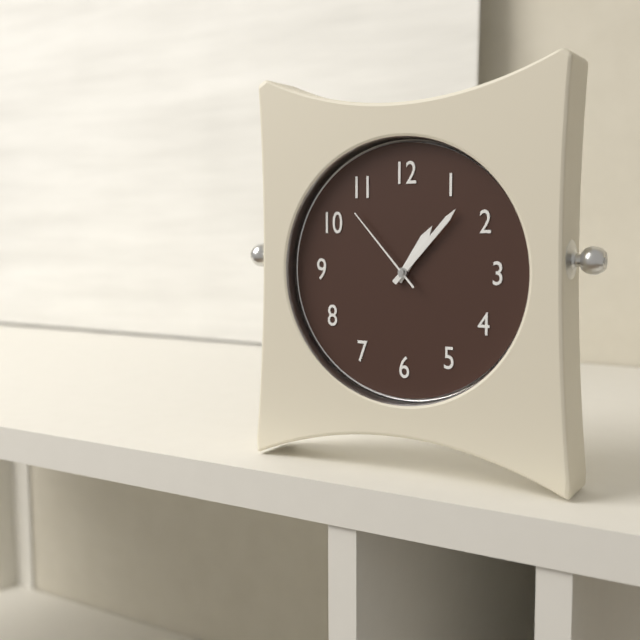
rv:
1h07m53s
